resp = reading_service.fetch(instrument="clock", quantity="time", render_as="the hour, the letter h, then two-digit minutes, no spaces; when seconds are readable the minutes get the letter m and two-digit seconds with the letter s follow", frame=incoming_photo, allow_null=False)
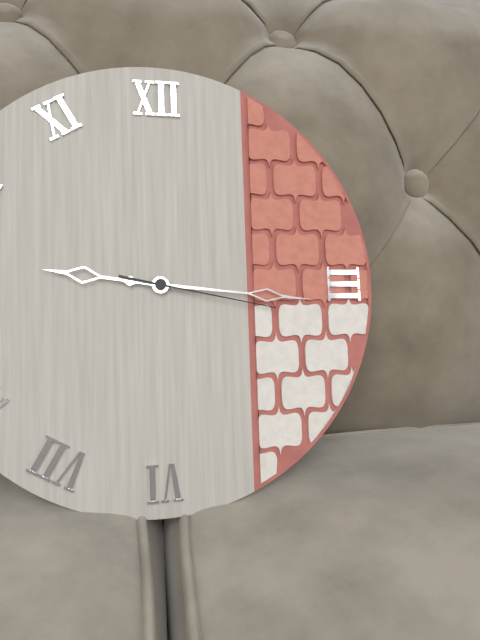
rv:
9h16m17s
